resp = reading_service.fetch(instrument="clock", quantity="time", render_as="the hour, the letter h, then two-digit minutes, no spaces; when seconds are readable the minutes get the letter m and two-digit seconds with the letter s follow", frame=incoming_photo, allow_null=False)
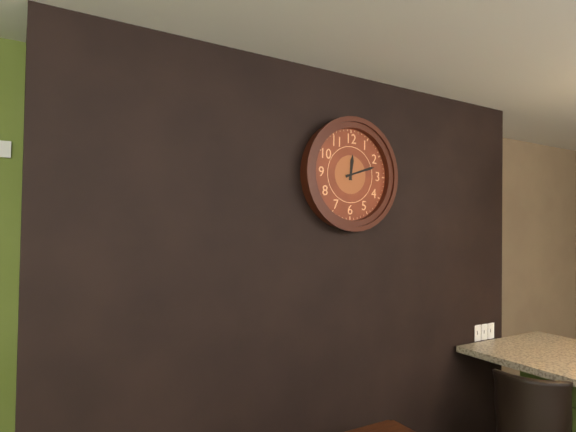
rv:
12h12
